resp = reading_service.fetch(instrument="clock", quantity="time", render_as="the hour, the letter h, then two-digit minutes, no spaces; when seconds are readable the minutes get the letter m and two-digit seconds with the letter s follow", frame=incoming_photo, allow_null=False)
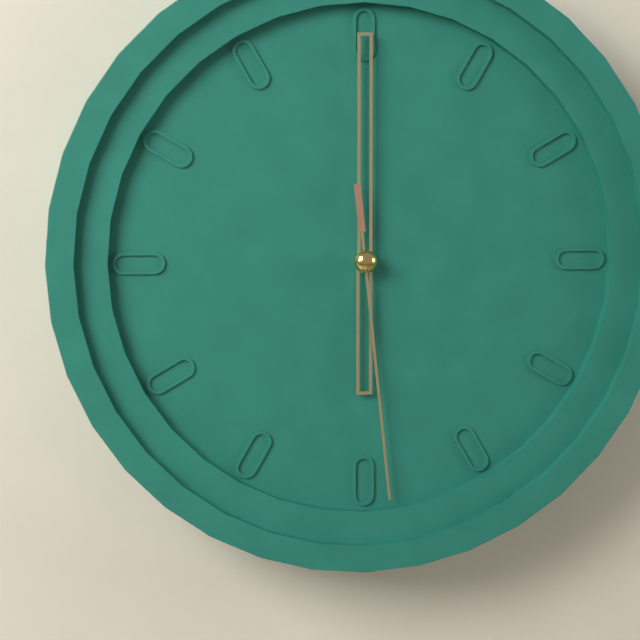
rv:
6h00m29s
